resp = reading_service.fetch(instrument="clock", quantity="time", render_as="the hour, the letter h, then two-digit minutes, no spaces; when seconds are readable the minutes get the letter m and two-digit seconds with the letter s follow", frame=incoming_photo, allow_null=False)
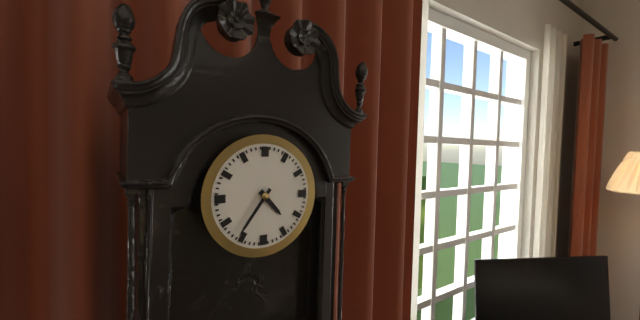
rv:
4h36
